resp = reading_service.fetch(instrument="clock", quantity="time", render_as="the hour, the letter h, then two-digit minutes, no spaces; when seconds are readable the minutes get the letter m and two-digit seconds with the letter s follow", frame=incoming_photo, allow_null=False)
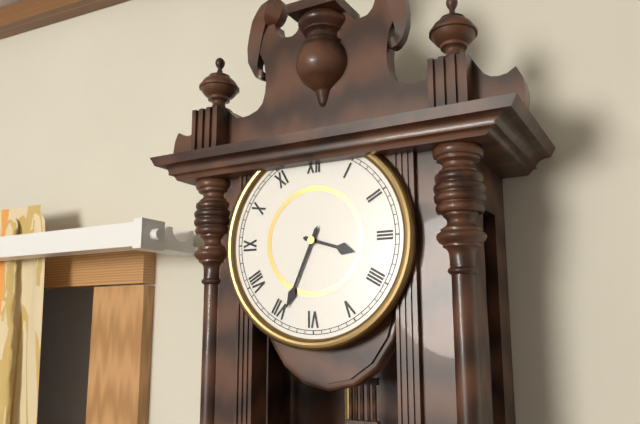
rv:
3h34
